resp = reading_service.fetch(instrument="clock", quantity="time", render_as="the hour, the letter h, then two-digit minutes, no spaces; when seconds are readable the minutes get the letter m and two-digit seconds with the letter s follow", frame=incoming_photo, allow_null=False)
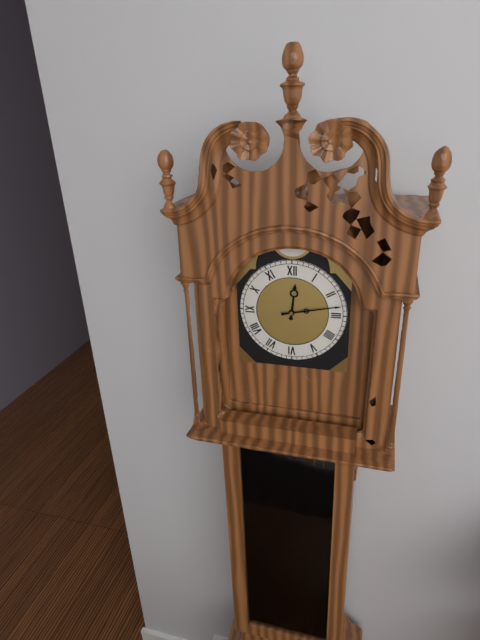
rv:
12h13
